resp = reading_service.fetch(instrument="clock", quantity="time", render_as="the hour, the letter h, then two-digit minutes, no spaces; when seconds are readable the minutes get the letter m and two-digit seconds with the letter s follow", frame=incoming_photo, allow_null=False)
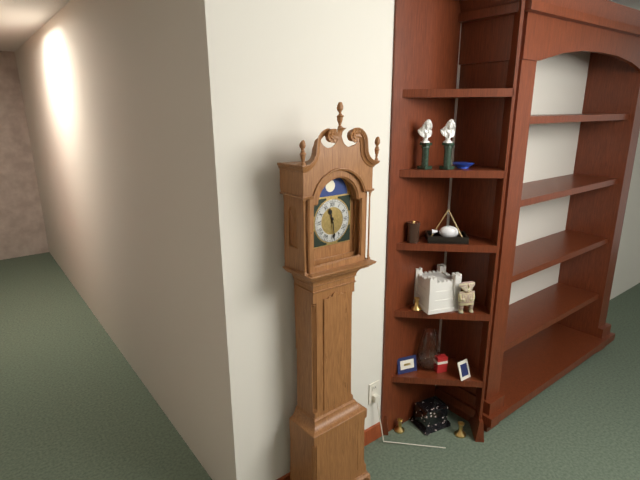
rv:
11h29
